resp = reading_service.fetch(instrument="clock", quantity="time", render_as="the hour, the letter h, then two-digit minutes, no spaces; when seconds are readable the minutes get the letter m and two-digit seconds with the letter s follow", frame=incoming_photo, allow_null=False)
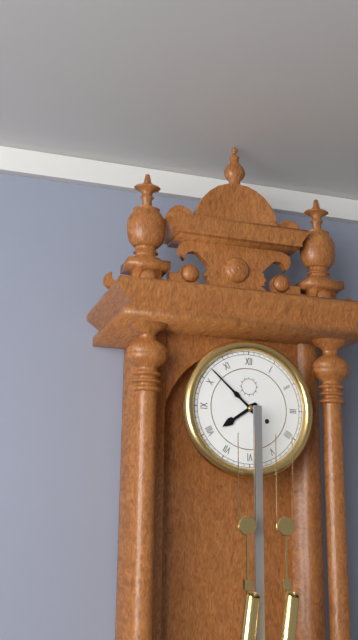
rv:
7h52
